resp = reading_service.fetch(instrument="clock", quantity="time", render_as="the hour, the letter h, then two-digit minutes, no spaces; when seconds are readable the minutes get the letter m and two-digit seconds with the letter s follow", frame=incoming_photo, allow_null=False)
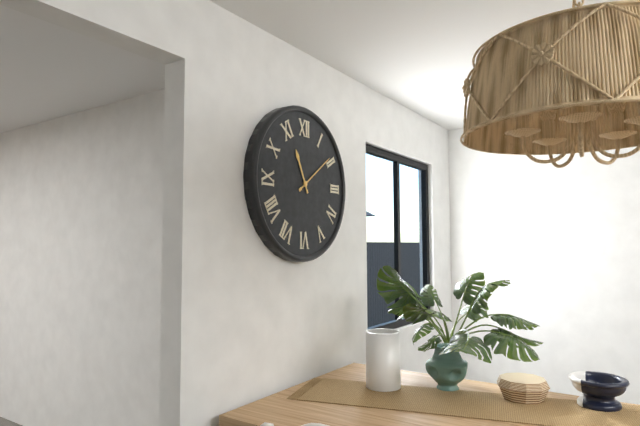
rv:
11h09
